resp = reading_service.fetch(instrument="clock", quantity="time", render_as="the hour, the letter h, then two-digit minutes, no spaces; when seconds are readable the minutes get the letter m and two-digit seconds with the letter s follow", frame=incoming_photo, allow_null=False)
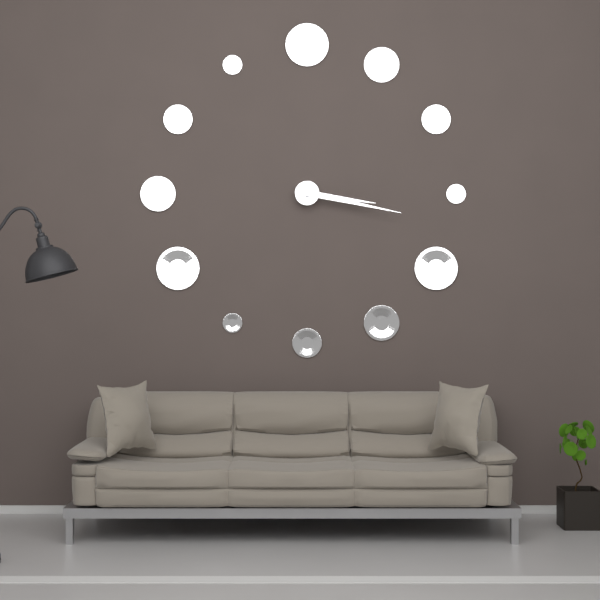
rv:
3h17
